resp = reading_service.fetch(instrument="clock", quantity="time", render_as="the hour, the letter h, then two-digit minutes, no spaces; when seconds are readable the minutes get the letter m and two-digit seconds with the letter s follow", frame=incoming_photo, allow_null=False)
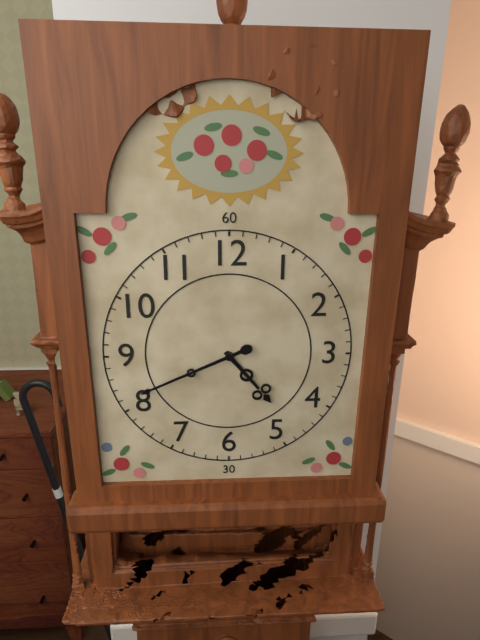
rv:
4h41
